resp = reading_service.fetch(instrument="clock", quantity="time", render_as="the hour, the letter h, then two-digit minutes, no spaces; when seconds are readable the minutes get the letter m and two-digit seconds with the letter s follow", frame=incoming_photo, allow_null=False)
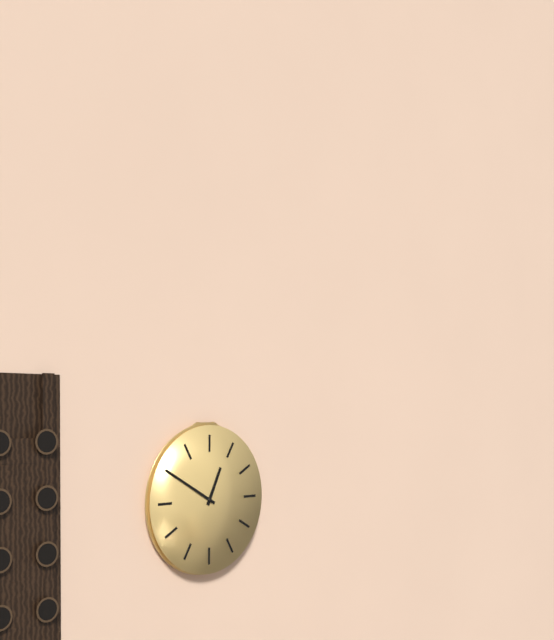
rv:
12h50
